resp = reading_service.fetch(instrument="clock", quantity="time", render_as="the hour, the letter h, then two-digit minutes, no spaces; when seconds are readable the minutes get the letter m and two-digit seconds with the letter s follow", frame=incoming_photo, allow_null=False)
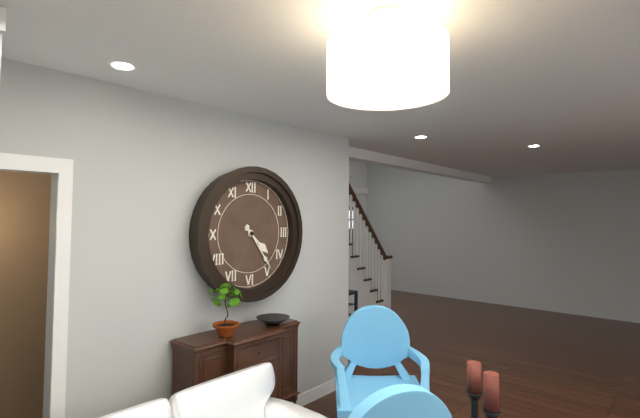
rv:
4h24
